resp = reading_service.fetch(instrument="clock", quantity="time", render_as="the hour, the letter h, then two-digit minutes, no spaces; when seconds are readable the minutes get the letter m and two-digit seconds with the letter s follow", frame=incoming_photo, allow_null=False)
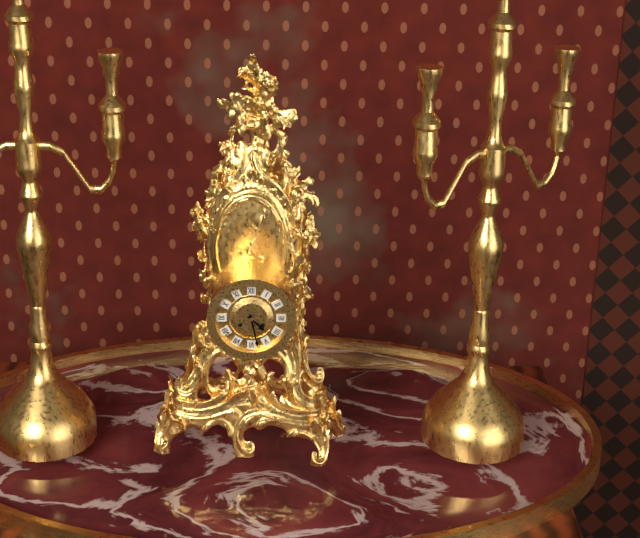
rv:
4h28
